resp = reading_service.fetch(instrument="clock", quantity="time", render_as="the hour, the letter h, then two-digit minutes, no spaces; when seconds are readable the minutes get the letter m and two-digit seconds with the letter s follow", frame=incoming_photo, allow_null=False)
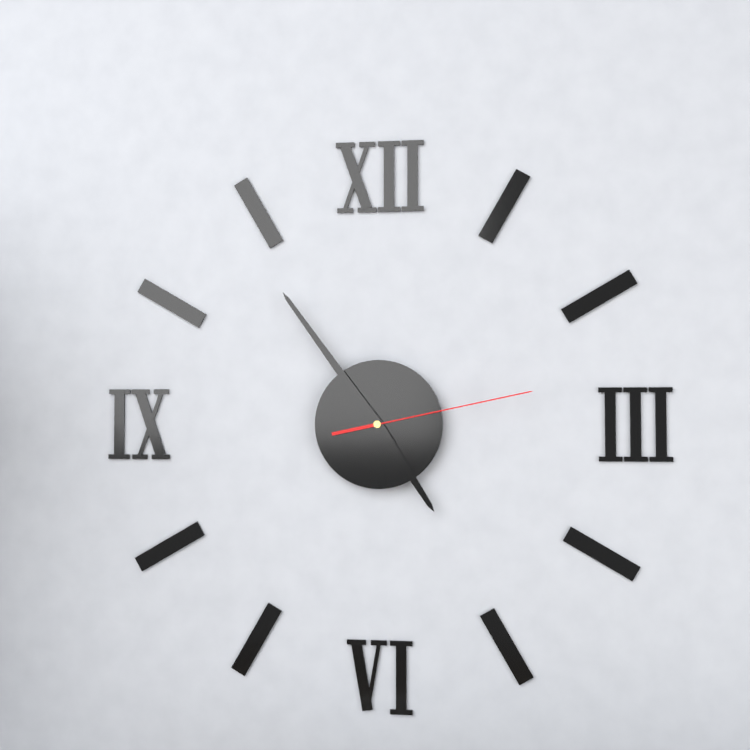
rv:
4h54m13s
